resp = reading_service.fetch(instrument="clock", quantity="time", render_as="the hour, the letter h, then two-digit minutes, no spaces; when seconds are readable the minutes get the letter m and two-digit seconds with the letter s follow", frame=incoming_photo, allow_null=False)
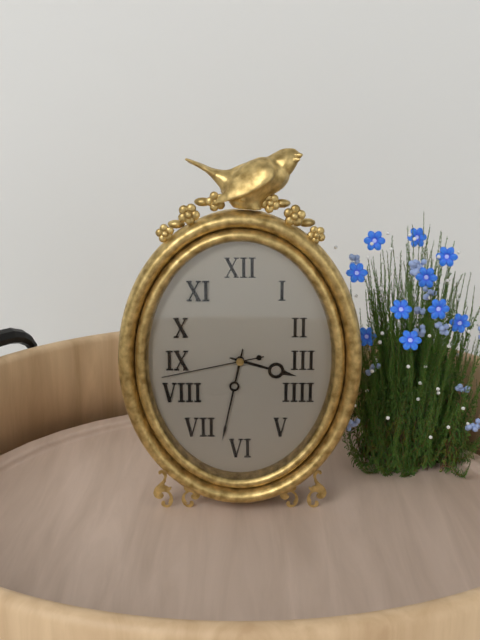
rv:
3h32m43s
